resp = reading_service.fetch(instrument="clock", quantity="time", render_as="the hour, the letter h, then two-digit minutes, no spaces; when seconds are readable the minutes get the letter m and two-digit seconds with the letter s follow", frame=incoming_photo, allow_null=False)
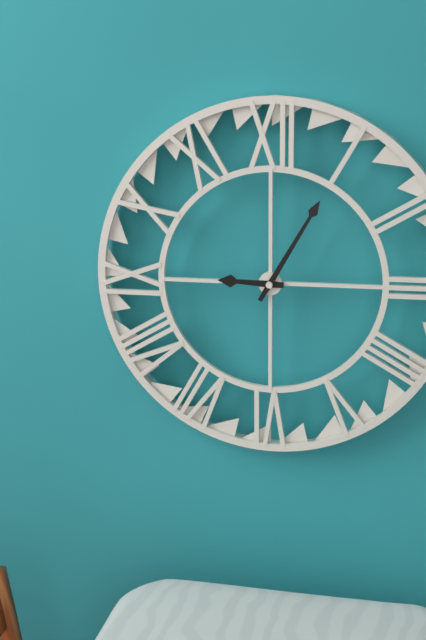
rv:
9h05
